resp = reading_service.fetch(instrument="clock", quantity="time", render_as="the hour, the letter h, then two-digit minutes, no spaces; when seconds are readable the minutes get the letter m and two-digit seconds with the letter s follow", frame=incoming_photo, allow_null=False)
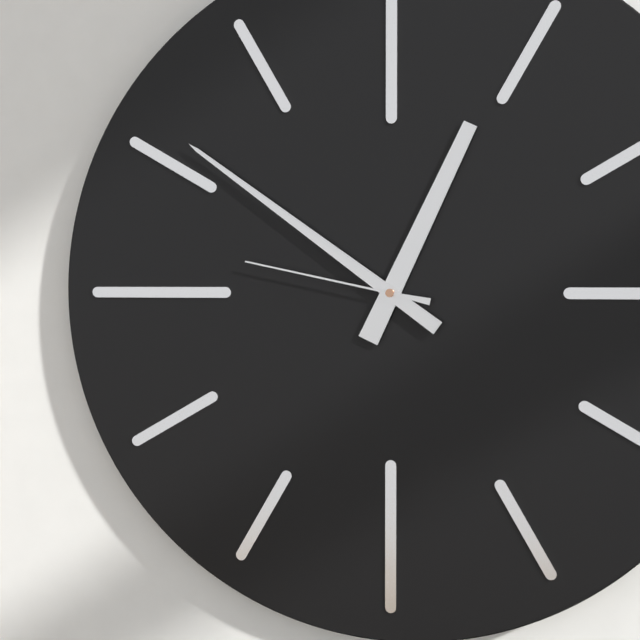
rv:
12h51m47s
